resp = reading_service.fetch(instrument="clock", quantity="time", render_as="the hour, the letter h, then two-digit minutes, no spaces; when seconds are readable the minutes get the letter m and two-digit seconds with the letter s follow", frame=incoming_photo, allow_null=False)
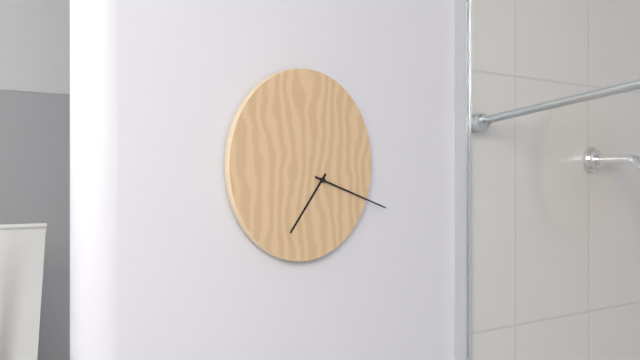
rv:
7h18
